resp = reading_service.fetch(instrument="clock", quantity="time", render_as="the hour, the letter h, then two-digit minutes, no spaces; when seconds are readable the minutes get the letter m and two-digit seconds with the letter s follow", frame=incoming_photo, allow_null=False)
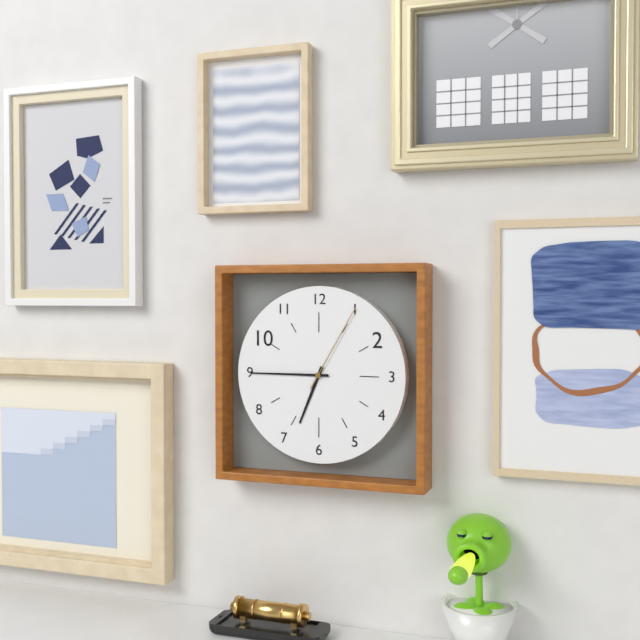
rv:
6h45m05s
